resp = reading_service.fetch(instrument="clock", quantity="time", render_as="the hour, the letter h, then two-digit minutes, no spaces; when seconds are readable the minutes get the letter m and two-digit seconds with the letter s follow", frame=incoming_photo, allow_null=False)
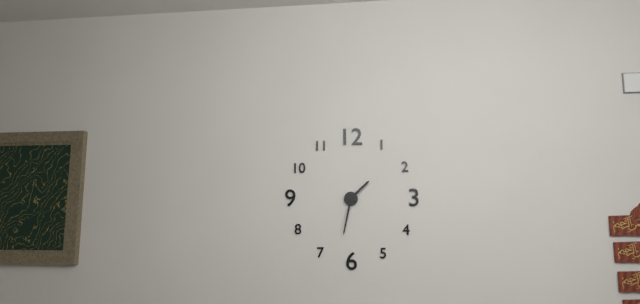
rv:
1h32
